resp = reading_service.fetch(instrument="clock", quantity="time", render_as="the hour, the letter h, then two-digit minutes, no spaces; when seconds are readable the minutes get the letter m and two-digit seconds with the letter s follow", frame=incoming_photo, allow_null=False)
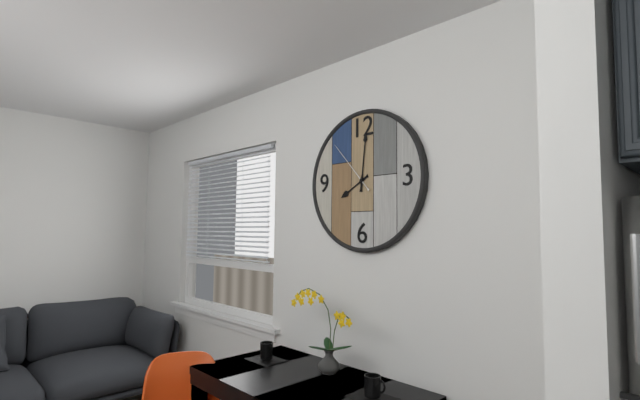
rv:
8h01m53s
